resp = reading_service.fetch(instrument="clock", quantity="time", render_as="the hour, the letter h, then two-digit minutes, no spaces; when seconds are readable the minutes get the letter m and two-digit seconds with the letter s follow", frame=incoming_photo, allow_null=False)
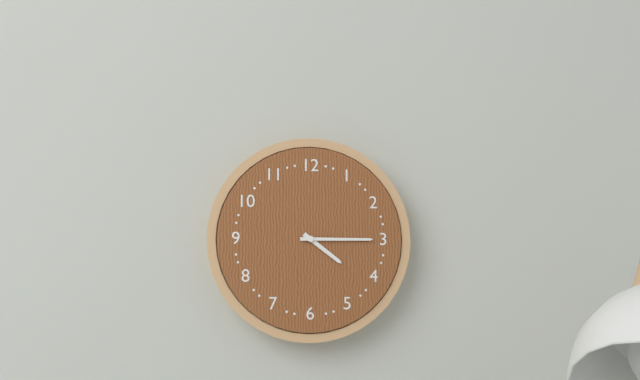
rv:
4h15
